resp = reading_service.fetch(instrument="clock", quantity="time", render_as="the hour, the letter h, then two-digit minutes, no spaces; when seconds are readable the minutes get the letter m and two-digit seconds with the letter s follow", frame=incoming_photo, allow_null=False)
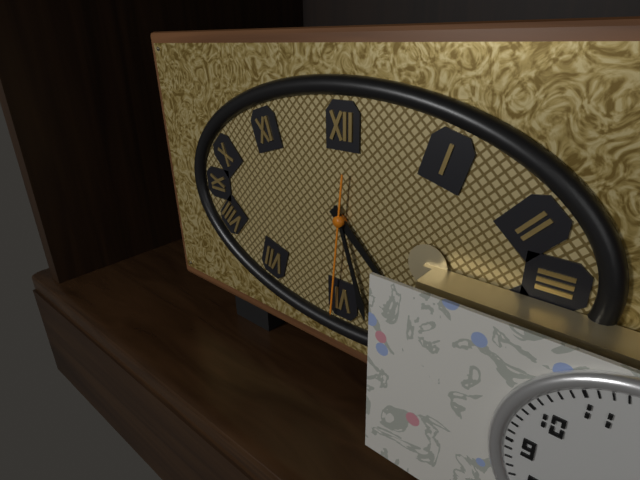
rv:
4h27m31s
